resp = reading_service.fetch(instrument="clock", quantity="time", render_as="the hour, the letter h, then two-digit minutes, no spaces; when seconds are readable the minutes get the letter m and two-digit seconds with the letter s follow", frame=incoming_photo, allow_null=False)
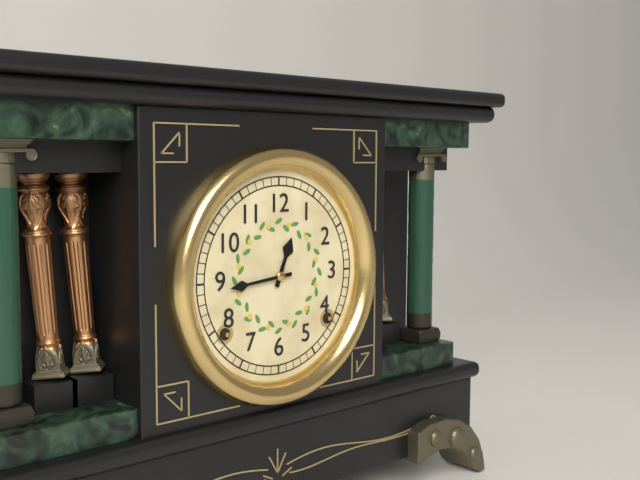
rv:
12h44
